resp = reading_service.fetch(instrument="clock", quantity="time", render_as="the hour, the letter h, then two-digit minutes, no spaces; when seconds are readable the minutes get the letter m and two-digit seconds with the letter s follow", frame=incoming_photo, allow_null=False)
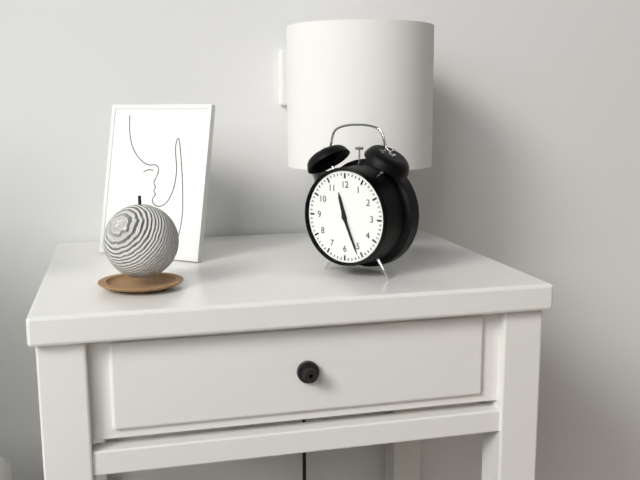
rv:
11h26
